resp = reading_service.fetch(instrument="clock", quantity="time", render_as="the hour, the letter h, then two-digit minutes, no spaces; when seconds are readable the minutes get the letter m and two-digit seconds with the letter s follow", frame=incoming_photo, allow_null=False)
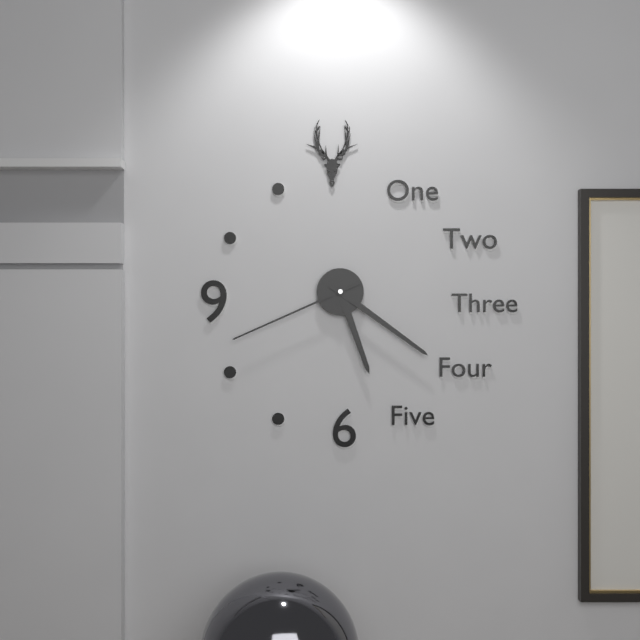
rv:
5h21m41s
